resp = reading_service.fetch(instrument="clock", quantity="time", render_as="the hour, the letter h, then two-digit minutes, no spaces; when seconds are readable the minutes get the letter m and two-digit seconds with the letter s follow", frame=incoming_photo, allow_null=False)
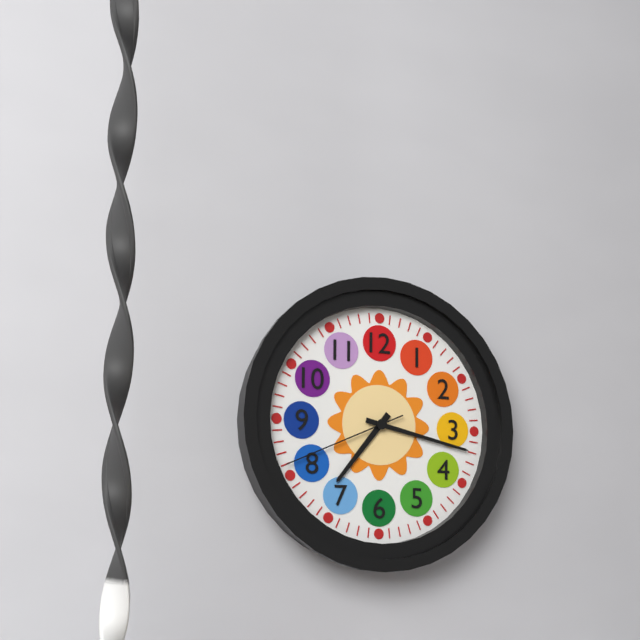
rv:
7h17m41s
